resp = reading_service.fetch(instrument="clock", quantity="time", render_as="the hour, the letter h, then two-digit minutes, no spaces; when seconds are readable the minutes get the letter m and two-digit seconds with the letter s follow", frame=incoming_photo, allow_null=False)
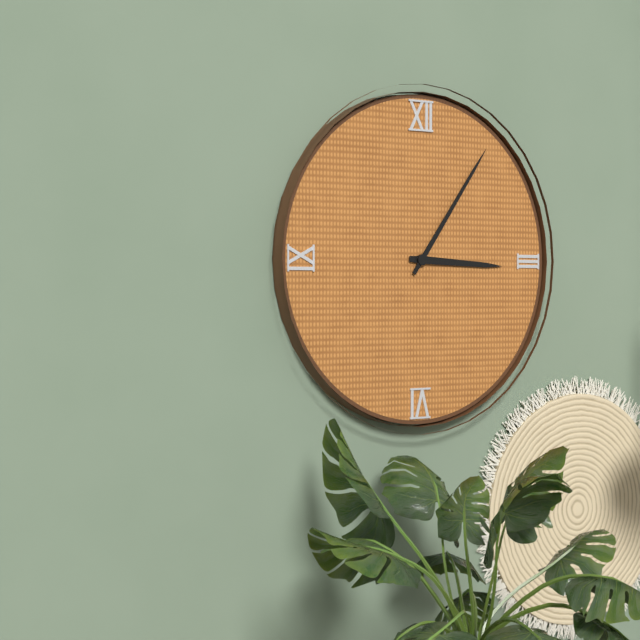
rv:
3h06
